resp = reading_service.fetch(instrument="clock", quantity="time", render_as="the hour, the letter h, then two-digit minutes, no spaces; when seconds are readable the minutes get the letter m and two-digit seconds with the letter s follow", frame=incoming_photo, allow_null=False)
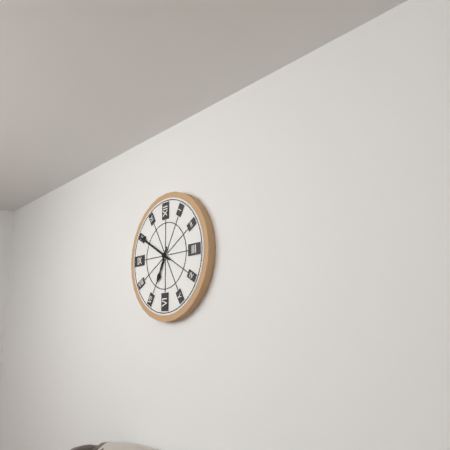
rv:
6h50
